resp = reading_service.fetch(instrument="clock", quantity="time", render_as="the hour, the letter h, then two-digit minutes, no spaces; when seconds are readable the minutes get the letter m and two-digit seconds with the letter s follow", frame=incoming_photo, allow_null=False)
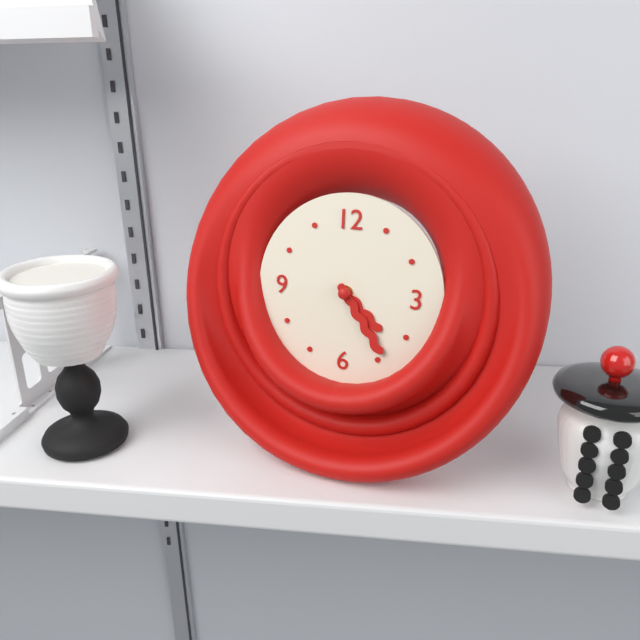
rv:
4h24
